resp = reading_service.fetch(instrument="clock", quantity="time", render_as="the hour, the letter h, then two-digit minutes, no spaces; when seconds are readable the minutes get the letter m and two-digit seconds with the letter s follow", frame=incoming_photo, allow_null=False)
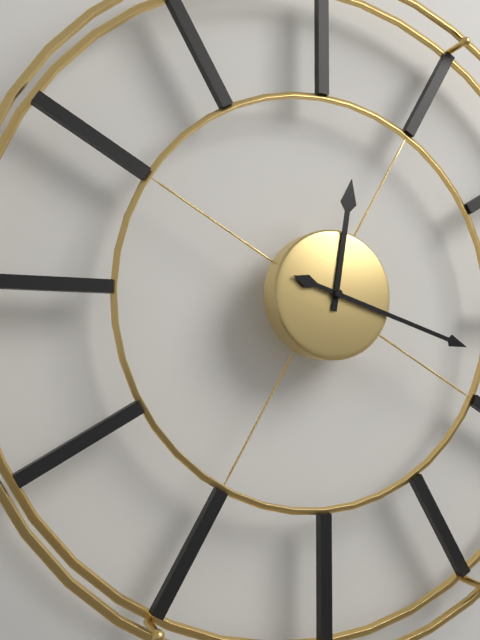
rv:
12h18
